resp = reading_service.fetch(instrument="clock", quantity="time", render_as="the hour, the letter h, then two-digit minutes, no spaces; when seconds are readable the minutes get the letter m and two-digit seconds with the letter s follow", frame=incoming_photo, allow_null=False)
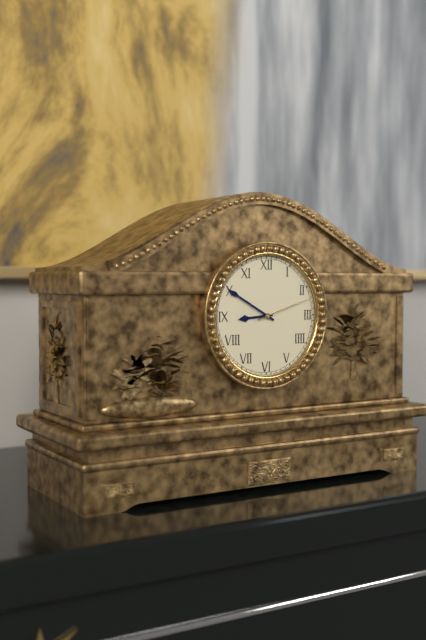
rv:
8h50m12s
